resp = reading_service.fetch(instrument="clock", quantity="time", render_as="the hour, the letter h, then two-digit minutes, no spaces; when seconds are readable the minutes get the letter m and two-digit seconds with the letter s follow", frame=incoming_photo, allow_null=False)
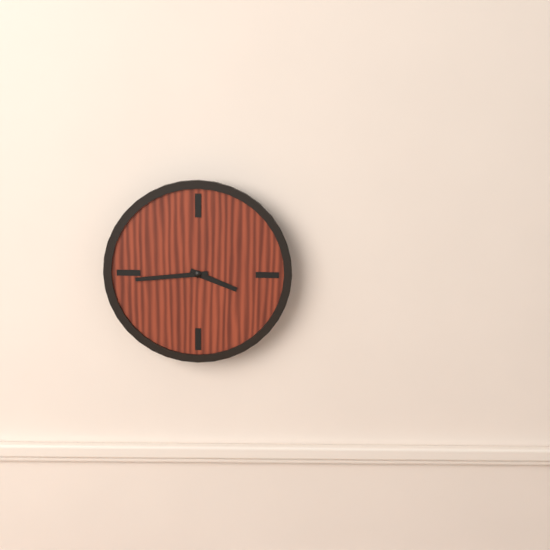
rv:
3h44
